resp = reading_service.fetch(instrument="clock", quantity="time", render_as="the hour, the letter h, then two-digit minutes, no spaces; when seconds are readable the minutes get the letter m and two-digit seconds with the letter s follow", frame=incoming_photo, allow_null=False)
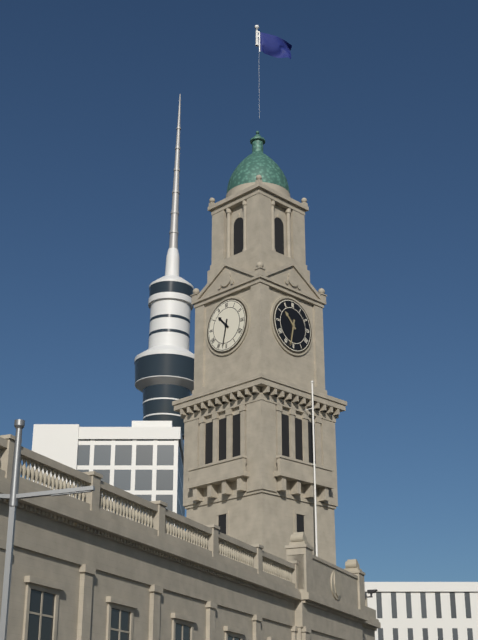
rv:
10h32
